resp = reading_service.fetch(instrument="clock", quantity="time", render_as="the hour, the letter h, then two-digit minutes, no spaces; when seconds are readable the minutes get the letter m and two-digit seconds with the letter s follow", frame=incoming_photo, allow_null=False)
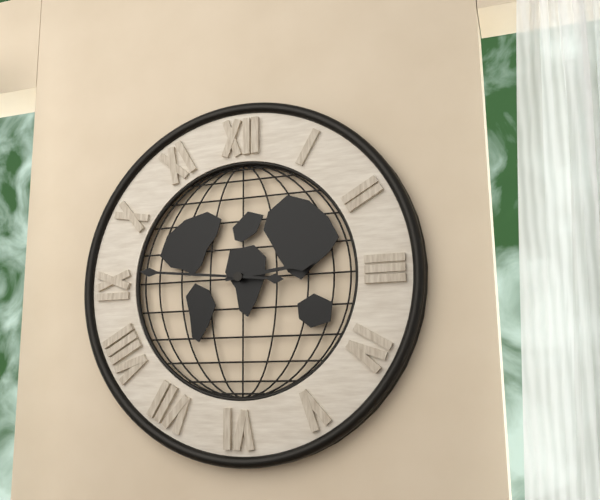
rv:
2h46
